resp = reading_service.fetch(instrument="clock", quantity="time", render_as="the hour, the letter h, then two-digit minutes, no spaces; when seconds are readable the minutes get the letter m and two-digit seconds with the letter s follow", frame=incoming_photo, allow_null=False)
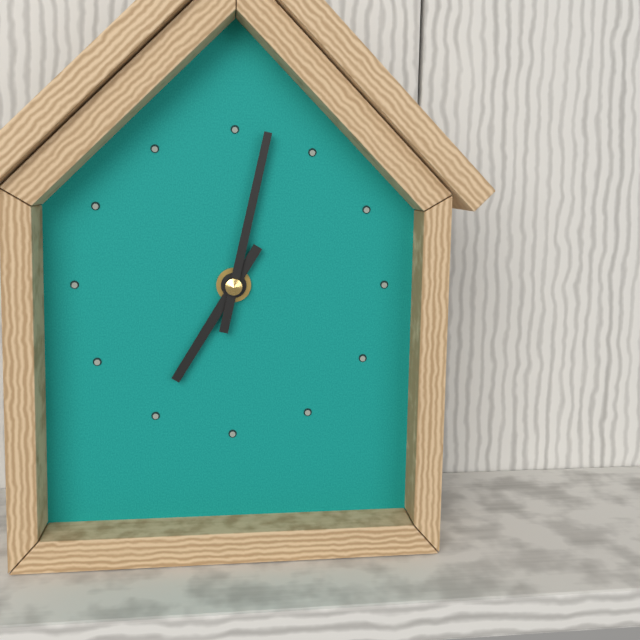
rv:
7h02
